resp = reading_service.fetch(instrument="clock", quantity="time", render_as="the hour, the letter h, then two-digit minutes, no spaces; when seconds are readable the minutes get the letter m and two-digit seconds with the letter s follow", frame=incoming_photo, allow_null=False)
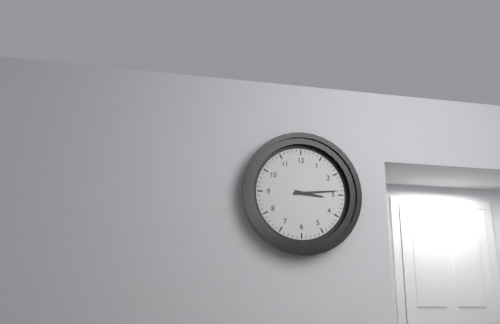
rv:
3h14
